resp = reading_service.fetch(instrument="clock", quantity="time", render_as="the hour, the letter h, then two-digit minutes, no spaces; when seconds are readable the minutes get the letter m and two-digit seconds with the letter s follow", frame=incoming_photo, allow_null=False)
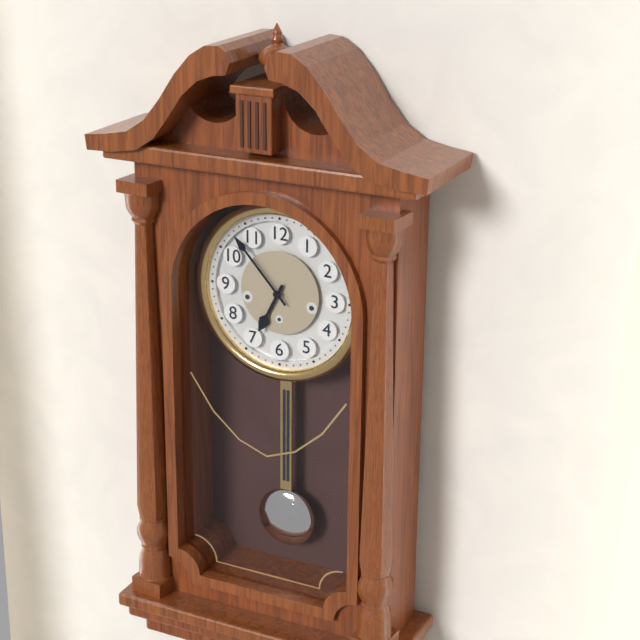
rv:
6h53
